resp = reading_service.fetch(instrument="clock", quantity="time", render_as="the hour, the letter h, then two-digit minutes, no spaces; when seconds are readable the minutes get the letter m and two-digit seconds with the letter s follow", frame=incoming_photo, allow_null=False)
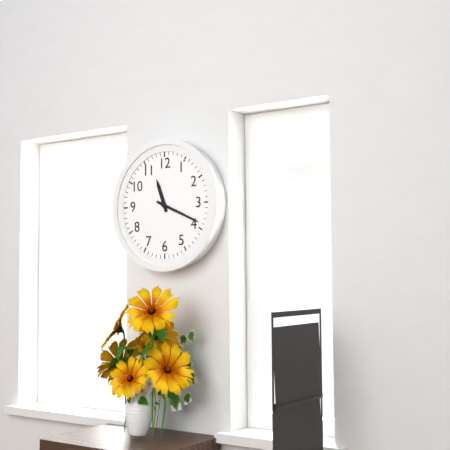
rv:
11h19
